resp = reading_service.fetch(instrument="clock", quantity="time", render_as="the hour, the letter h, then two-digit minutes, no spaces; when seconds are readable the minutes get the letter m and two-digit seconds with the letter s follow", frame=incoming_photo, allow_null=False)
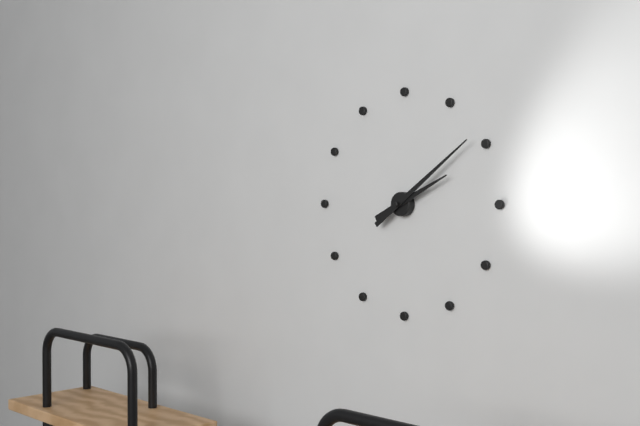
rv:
2h09
